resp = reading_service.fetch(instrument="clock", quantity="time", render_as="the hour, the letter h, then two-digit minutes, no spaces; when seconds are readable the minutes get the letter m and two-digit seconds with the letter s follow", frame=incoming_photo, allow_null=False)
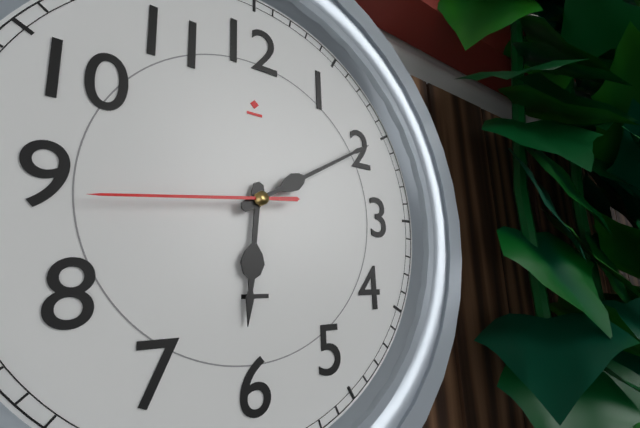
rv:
6h10m44s
